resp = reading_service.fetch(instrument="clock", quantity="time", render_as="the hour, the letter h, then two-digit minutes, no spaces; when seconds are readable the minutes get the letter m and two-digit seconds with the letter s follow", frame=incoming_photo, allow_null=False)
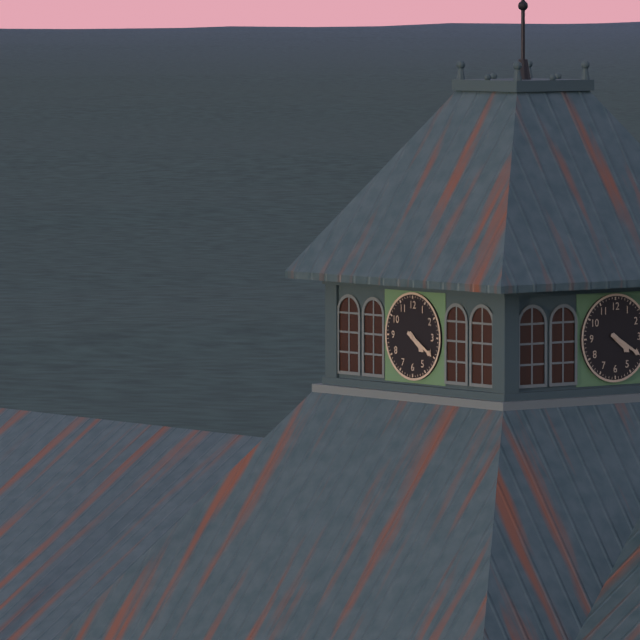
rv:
4h20
